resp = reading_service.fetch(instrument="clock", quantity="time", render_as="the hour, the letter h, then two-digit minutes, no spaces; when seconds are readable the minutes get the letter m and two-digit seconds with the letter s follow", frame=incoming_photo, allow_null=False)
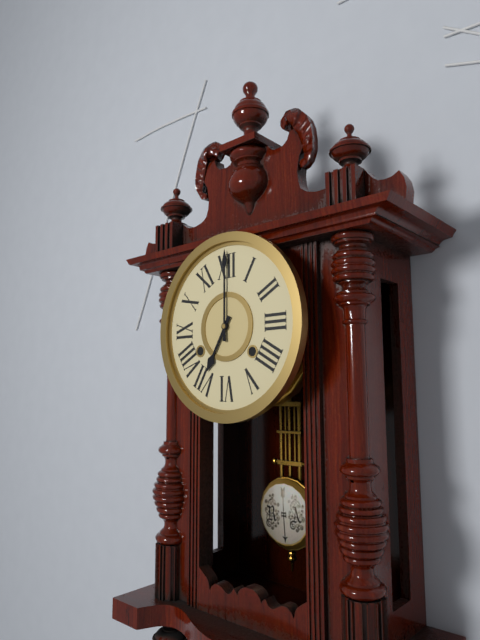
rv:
7h00
